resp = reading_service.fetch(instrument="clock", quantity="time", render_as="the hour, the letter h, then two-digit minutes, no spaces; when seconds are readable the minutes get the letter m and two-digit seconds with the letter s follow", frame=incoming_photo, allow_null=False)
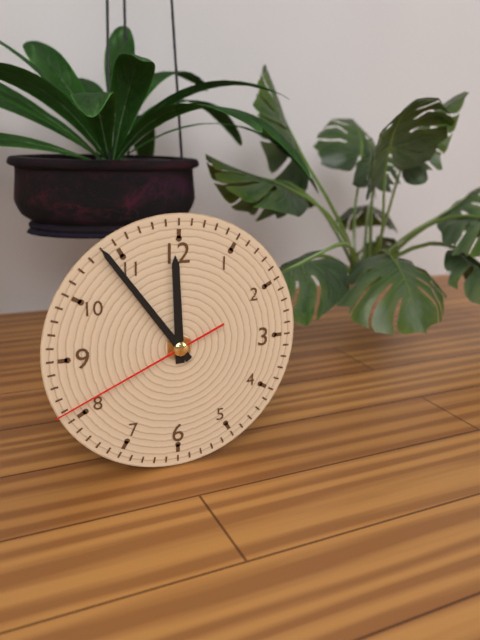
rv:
11h54m41s
